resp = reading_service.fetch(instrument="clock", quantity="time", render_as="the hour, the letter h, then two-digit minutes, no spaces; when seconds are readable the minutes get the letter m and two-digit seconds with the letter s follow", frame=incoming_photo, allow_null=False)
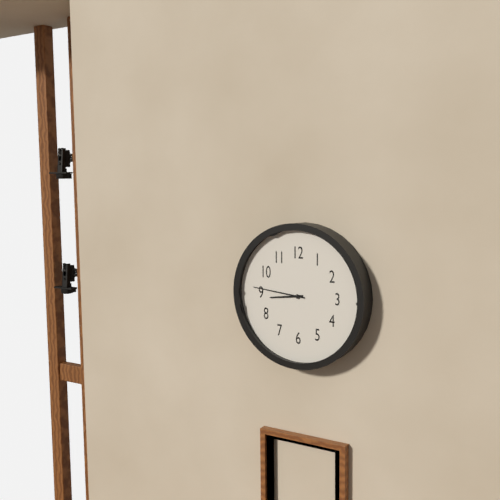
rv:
8h46
